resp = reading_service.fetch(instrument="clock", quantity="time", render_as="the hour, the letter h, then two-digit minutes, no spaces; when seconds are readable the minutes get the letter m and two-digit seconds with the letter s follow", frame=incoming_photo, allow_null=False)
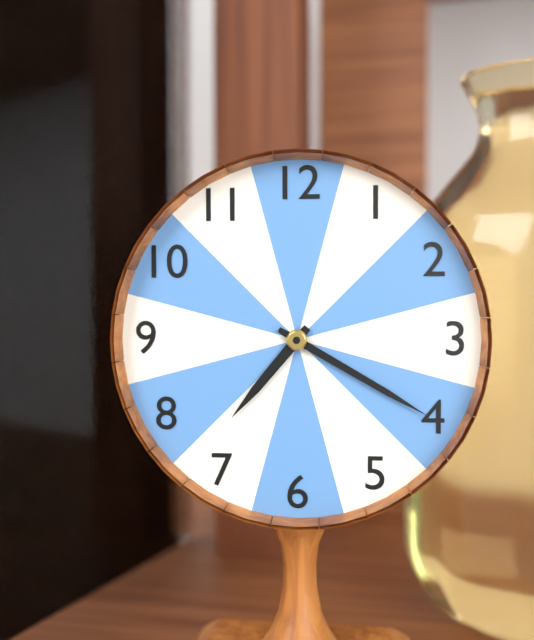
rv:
7h20
